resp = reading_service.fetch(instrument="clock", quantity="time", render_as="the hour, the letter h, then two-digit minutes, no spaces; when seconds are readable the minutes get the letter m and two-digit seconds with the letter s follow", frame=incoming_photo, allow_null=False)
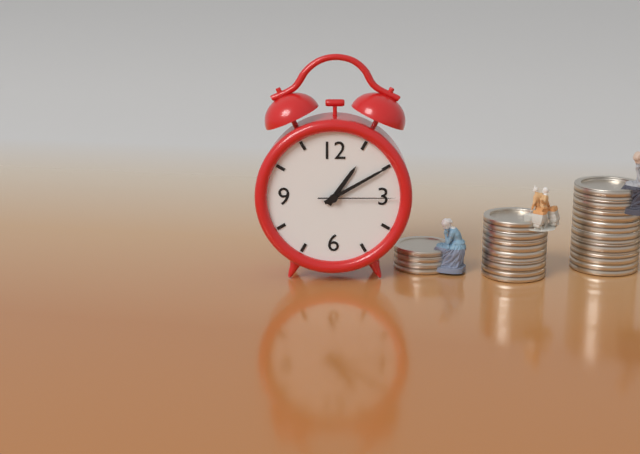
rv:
1h10m15s
